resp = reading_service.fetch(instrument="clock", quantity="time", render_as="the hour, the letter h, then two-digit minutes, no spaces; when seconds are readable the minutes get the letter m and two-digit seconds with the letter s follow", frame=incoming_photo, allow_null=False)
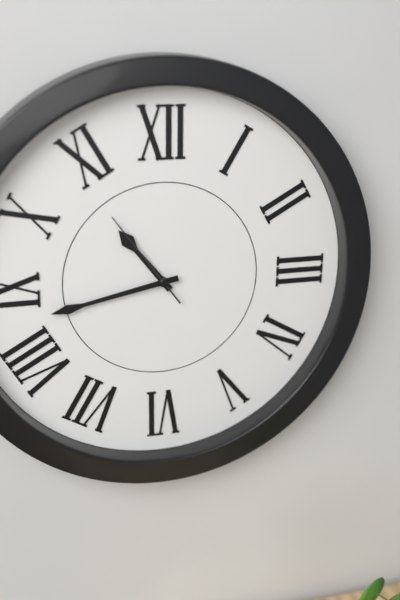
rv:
10h43m54s
